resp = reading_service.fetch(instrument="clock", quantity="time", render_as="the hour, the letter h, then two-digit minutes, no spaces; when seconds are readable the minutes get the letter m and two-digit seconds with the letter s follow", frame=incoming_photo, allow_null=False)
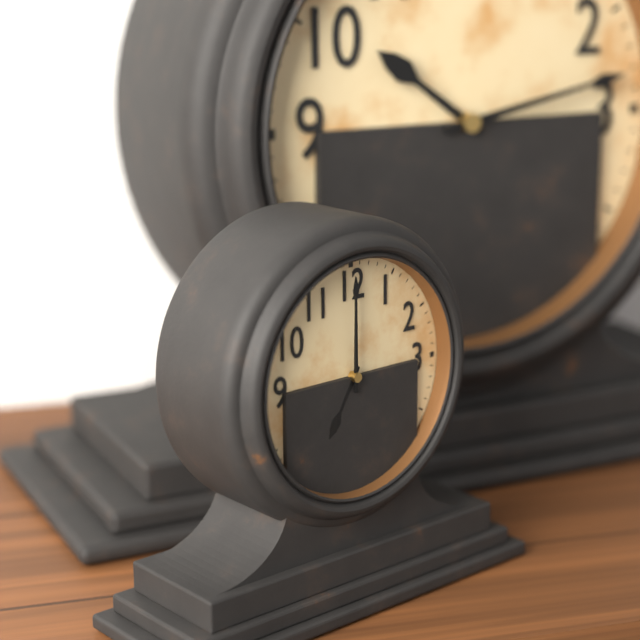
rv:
7h00
